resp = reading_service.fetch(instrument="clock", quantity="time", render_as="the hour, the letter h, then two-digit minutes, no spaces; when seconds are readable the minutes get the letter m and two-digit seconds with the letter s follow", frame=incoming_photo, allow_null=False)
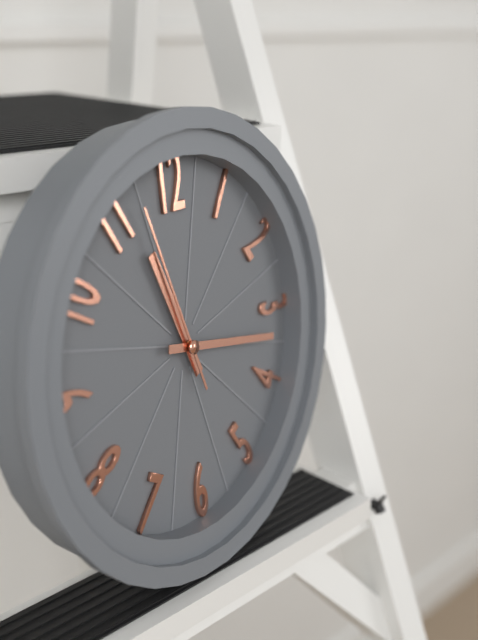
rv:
11h17m57s
